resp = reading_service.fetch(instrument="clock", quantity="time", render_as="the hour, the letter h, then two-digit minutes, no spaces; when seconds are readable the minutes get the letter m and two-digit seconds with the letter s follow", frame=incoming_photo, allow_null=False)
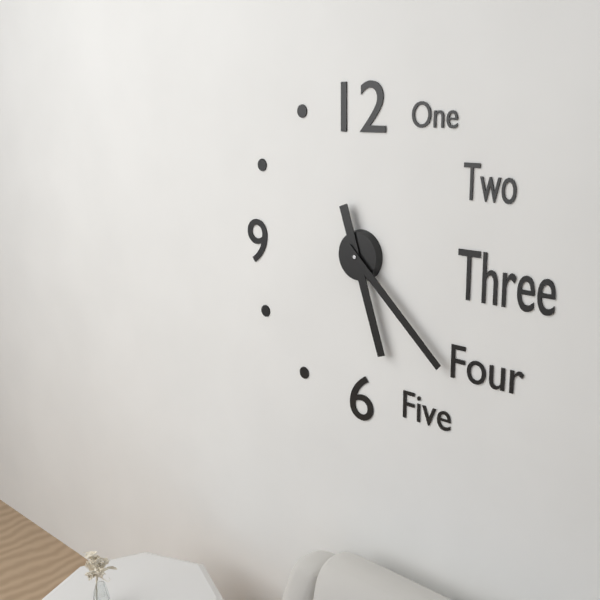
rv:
5h22
